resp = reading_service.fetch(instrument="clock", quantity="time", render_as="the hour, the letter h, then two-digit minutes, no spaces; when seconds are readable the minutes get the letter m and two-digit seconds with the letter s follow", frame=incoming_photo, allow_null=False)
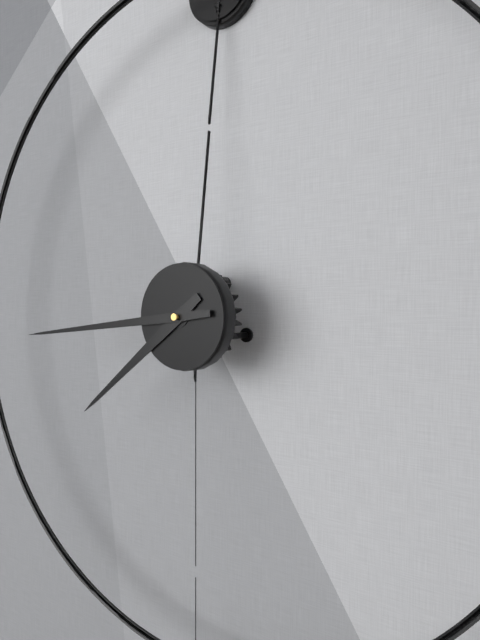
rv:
7h44
